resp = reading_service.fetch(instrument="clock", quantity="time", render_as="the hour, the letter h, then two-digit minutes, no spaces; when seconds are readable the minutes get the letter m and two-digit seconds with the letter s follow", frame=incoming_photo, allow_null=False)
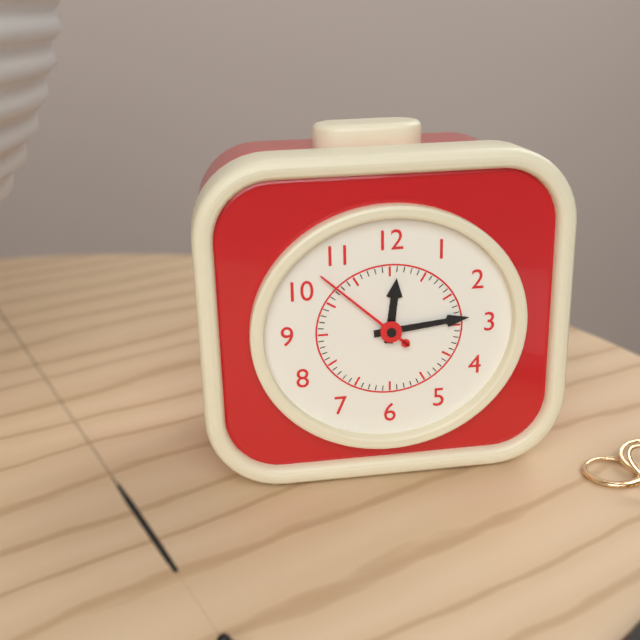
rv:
12h14m52s
